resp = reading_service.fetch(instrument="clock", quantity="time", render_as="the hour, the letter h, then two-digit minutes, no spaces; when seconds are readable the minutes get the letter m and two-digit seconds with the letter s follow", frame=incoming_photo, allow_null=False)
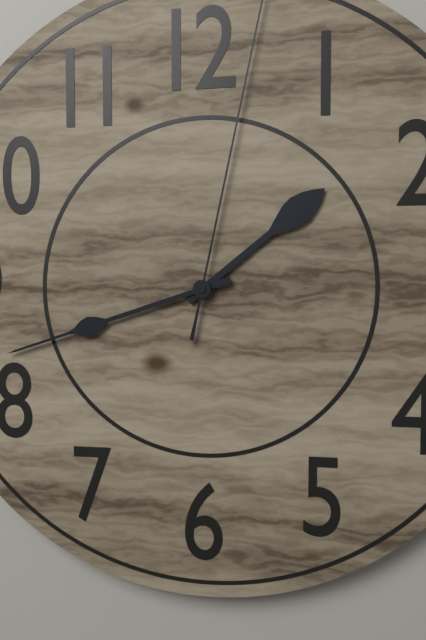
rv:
1h42
